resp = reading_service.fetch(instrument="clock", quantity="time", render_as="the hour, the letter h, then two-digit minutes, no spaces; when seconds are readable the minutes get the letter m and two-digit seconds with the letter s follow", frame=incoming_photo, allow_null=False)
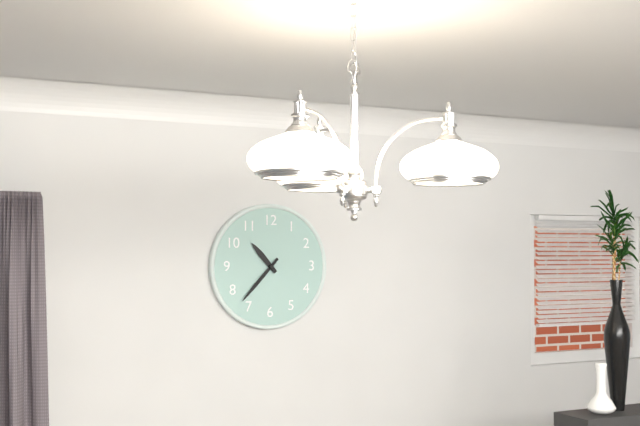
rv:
10h37
